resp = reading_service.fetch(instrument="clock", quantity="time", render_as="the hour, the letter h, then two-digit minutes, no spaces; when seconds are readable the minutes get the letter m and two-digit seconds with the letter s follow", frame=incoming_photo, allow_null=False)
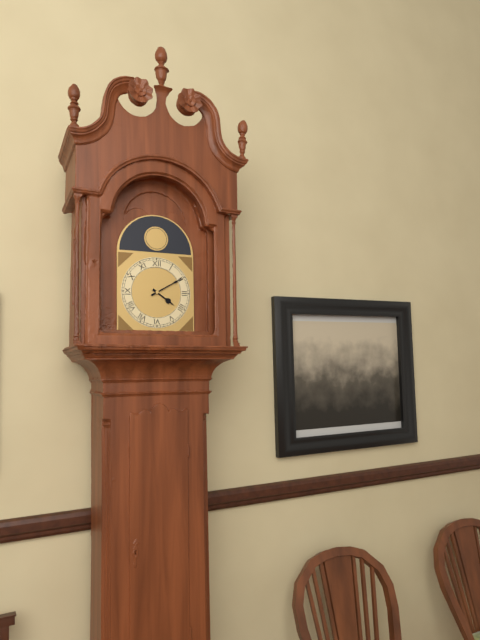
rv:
4h10
